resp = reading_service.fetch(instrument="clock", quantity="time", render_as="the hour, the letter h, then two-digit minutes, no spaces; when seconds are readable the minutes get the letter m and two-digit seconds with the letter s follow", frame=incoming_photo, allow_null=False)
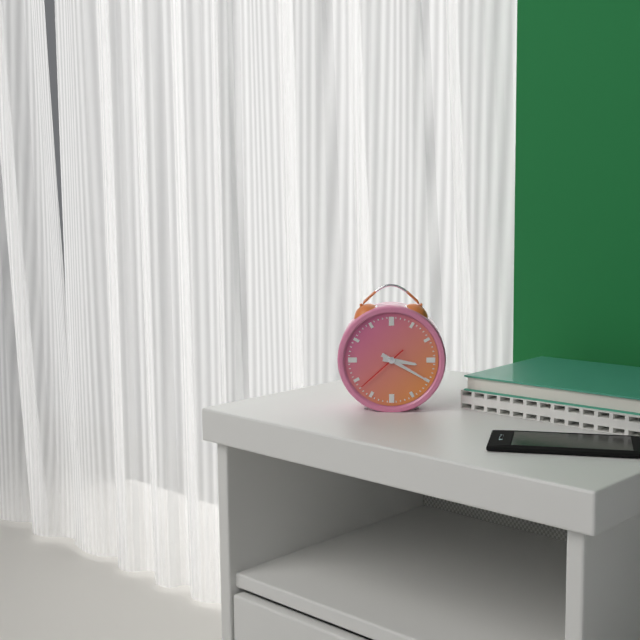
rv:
3h20m38s
